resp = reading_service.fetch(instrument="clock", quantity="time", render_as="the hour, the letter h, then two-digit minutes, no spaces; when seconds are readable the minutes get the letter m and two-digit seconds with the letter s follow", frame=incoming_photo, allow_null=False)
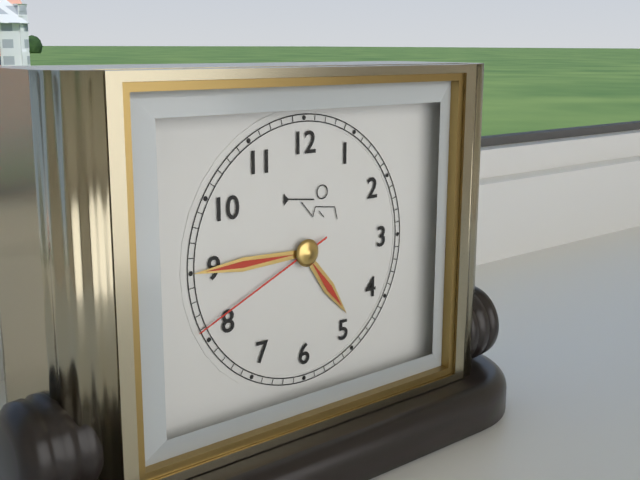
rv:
4h45m41s
